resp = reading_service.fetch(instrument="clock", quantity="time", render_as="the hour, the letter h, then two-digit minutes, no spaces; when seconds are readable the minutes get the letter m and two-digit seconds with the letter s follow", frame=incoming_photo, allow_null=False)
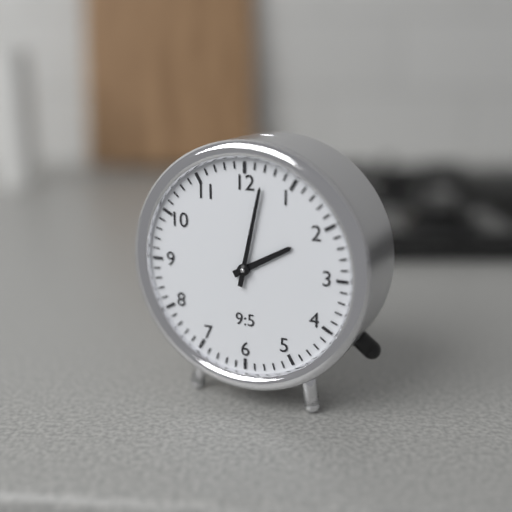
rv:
2h02
